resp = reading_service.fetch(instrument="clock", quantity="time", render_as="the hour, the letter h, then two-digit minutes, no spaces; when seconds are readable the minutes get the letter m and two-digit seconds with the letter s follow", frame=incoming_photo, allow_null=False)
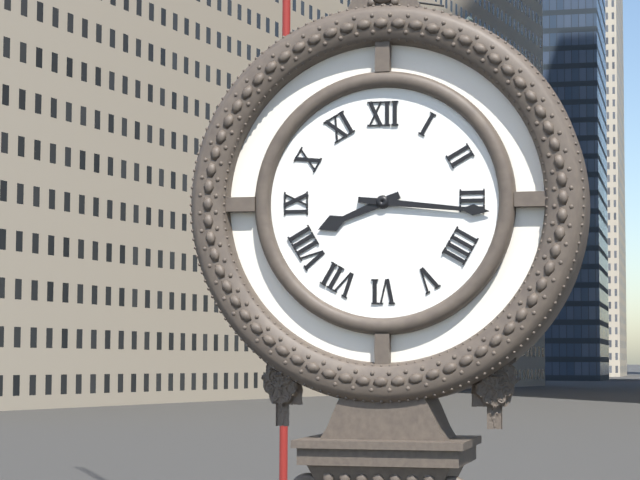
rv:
8h16
